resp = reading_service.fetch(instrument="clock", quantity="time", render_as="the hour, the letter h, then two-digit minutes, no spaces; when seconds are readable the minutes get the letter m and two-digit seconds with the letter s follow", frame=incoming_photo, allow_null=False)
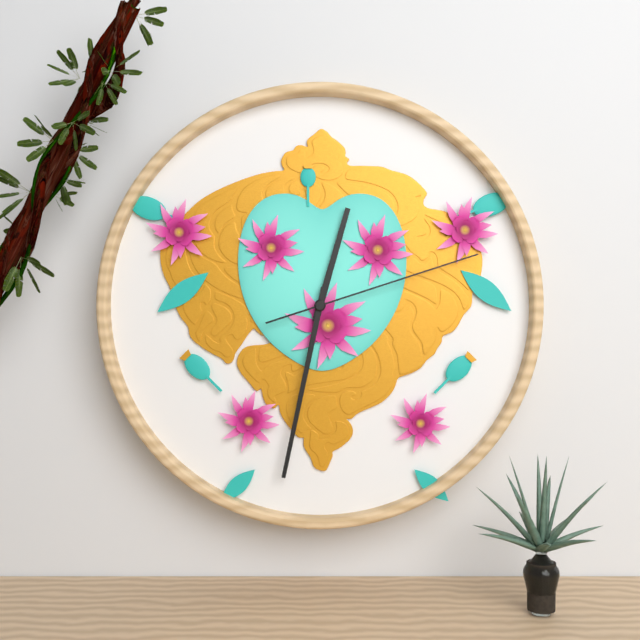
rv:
12h32m12s
